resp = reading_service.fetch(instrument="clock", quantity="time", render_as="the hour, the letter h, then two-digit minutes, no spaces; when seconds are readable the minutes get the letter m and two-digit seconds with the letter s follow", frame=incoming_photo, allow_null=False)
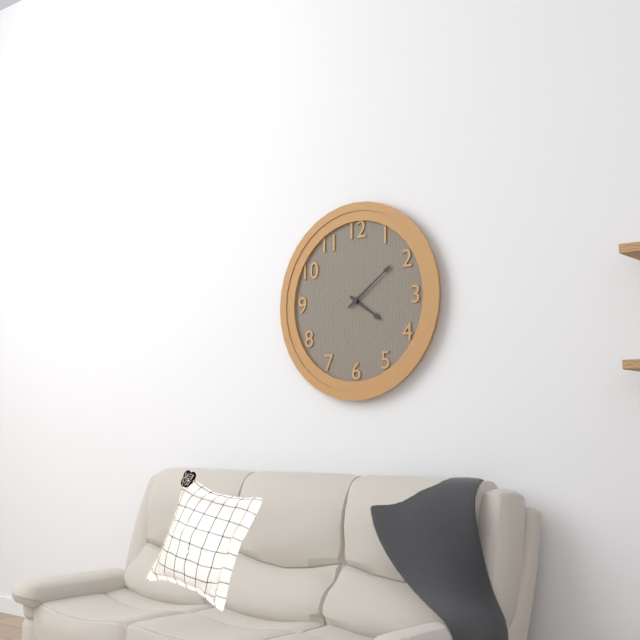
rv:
4h09
